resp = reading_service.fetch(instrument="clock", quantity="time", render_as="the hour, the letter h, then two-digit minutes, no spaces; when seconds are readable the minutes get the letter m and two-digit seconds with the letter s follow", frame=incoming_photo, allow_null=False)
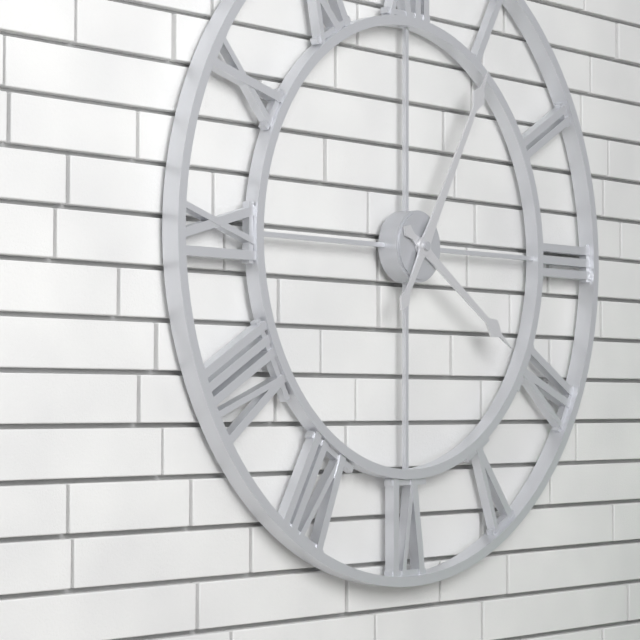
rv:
4h05
